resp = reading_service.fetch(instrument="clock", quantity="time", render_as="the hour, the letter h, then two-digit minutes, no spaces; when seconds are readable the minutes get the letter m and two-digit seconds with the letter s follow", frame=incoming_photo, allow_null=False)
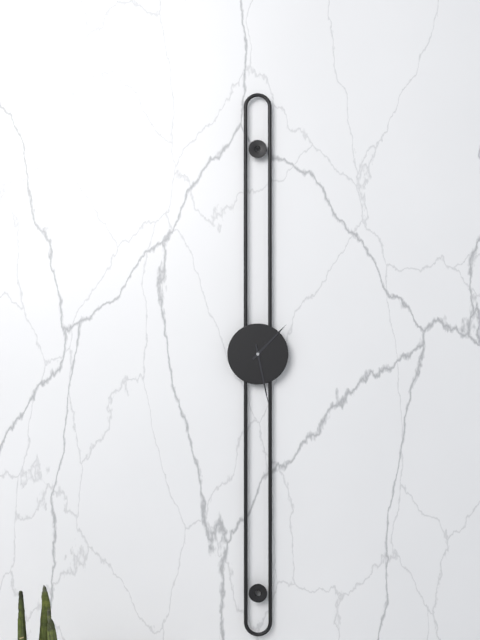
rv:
1h28
